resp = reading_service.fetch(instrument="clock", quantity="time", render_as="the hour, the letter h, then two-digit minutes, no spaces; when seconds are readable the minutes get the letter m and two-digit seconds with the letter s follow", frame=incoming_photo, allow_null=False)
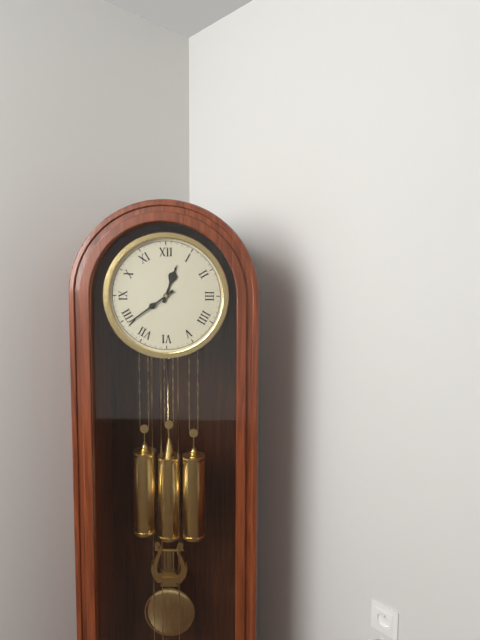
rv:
12h39
